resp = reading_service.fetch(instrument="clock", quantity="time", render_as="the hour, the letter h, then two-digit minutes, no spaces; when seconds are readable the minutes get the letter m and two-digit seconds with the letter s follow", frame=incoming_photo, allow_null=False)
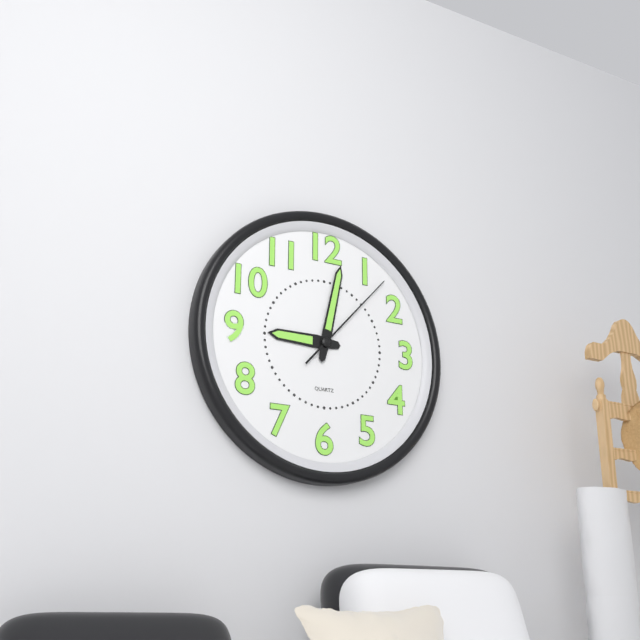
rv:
9h02m07s
